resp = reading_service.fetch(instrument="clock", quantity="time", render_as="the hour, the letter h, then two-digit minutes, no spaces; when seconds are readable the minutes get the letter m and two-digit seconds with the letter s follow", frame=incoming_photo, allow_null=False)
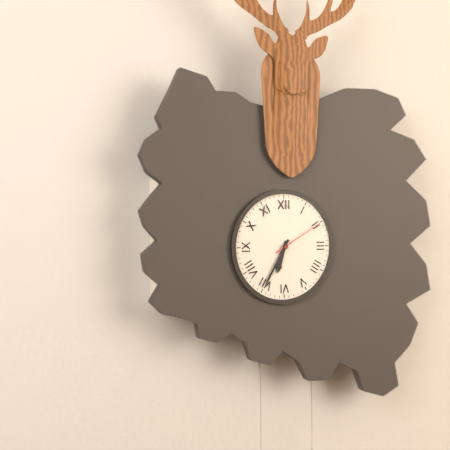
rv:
6h35m10s
